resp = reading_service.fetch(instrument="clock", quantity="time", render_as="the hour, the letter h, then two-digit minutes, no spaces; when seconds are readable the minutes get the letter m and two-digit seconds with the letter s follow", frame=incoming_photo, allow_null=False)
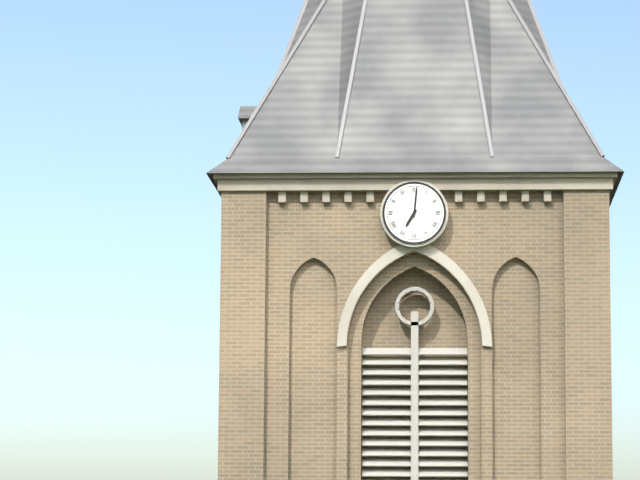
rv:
7h01
